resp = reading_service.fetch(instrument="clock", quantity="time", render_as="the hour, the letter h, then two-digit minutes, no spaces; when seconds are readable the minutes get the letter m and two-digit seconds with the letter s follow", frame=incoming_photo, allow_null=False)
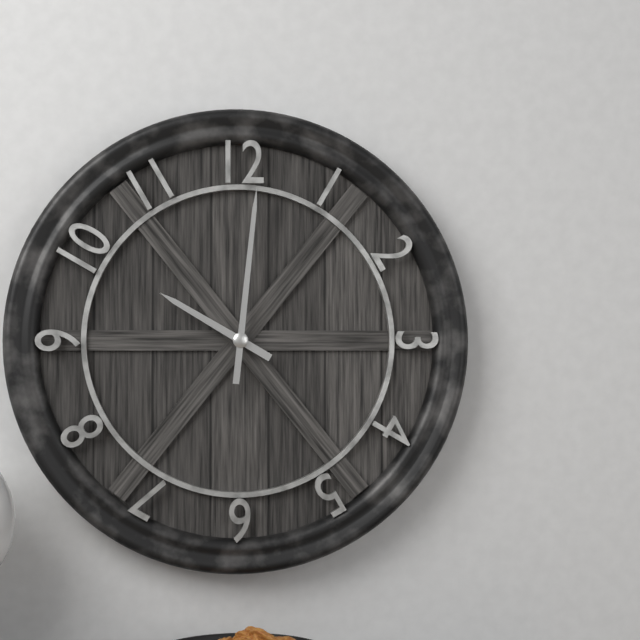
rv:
10h01
